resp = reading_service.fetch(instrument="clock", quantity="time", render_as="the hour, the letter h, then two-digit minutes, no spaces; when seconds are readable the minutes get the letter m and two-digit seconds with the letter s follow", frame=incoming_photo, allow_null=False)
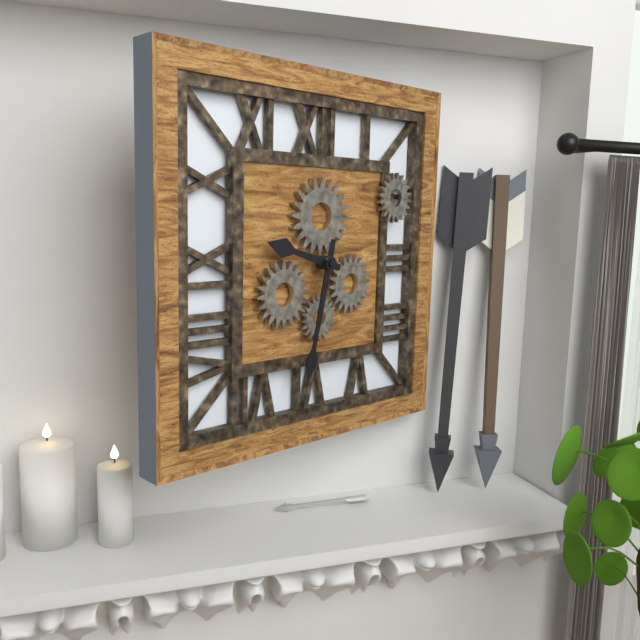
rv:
9h32
